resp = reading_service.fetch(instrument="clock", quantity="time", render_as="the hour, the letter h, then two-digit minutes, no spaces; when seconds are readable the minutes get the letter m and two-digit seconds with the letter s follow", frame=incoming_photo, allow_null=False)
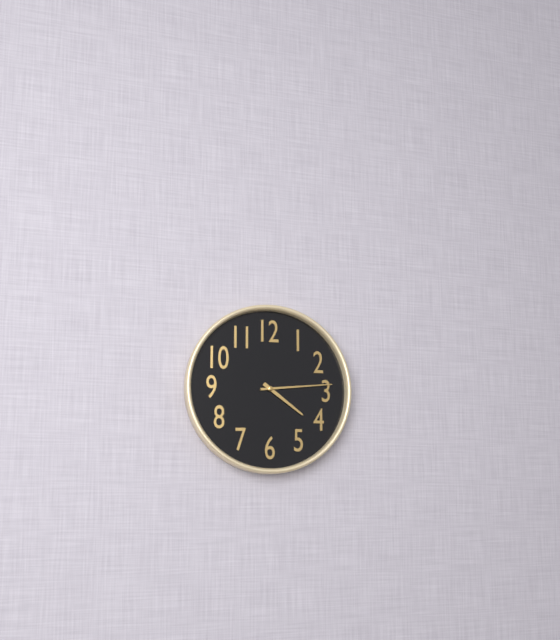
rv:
4h14
